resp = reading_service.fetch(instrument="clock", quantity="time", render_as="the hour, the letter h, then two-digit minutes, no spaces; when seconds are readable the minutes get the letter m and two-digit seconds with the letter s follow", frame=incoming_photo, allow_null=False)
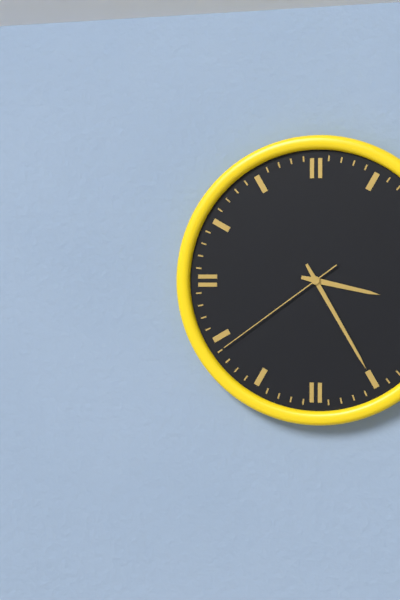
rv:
3h25m39s
